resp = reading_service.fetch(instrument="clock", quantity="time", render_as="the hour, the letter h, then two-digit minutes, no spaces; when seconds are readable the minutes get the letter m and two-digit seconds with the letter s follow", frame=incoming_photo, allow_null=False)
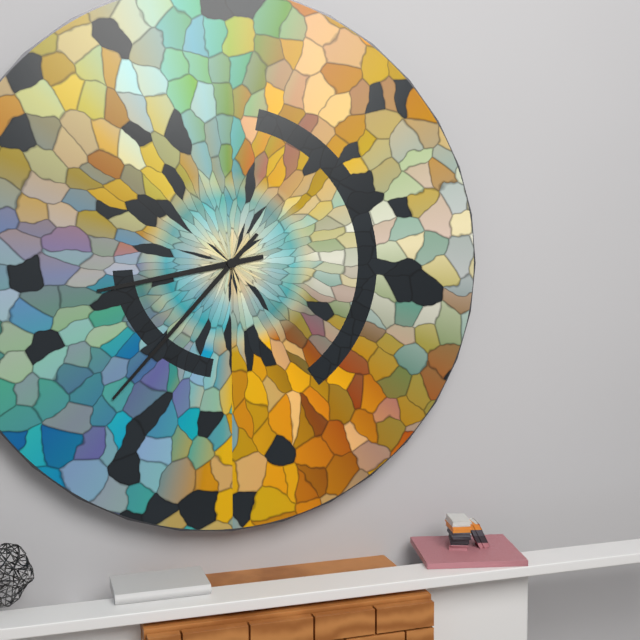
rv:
8h37
